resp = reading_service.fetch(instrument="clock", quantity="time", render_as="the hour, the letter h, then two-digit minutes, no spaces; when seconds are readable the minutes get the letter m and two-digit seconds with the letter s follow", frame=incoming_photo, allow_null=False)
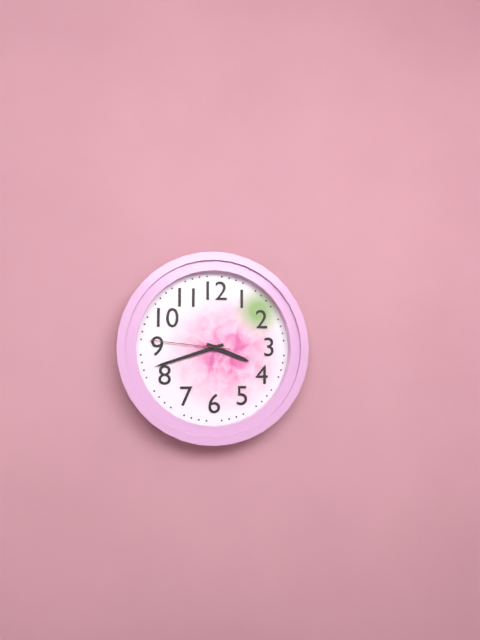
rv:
3h42m46s
